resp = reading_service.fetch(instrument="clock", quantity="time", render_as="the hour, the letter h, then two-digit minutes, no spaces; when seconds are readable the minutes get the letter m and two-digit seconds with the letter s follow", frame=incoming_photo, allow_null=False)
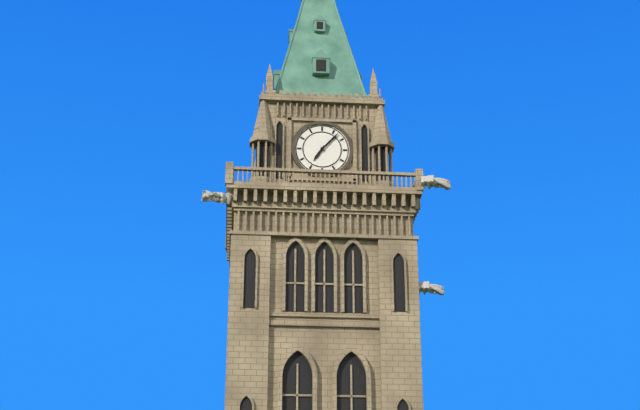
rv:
7h07
